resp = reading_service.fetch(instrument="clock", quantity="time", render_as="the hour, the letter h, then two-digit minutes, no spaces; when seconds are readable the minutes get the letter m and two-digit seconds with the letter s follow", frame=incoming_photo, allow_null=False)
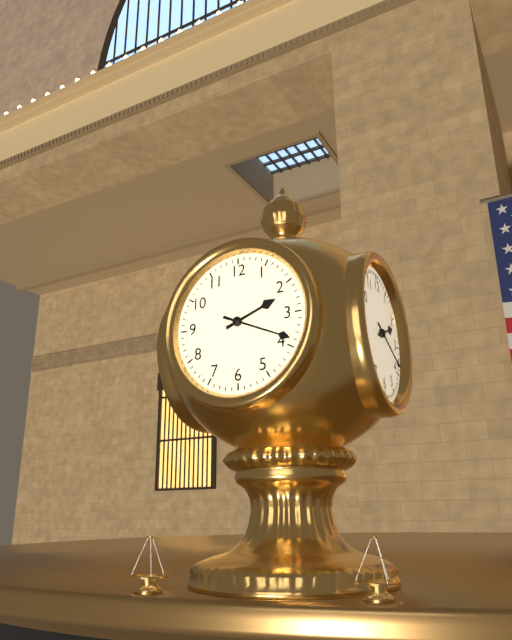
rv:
2h19
